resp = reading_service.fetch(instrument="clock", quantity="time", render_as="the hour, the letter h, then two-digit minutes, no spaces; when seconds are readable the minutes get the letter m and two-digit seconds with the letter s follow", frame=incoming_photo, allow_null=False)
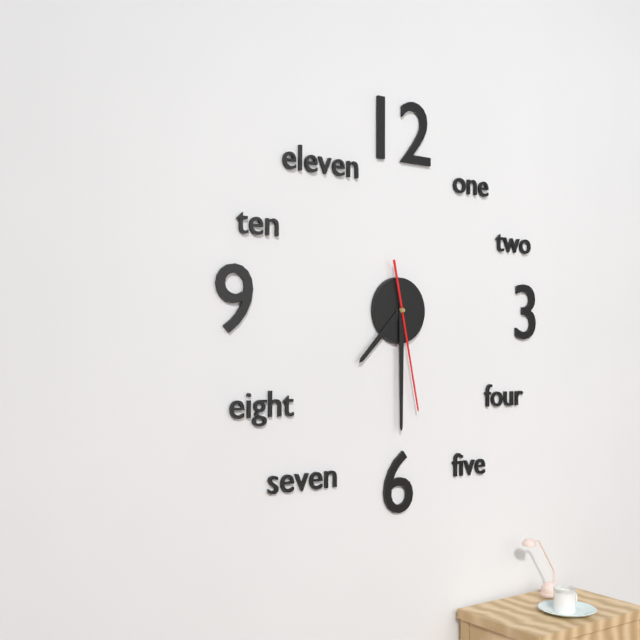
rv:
7h30m28s
